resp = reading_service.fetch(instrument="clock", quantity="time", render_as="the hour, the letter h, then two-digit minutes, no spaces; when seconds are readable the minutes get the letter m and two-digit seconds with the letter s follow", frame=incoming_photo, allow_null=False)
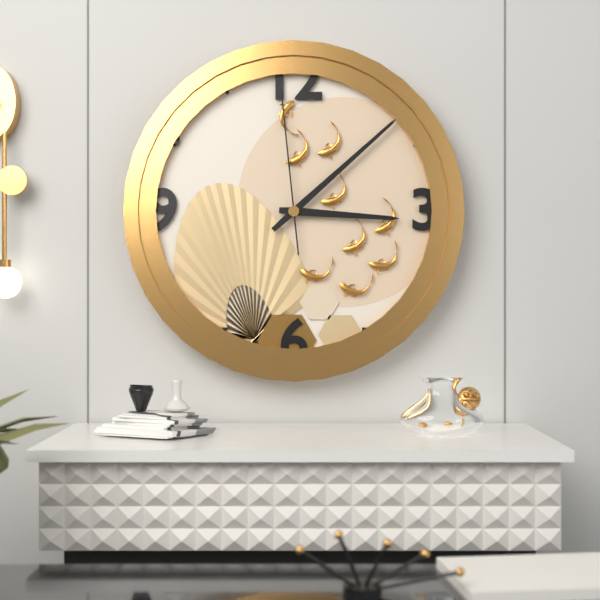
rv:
3h08m59s
